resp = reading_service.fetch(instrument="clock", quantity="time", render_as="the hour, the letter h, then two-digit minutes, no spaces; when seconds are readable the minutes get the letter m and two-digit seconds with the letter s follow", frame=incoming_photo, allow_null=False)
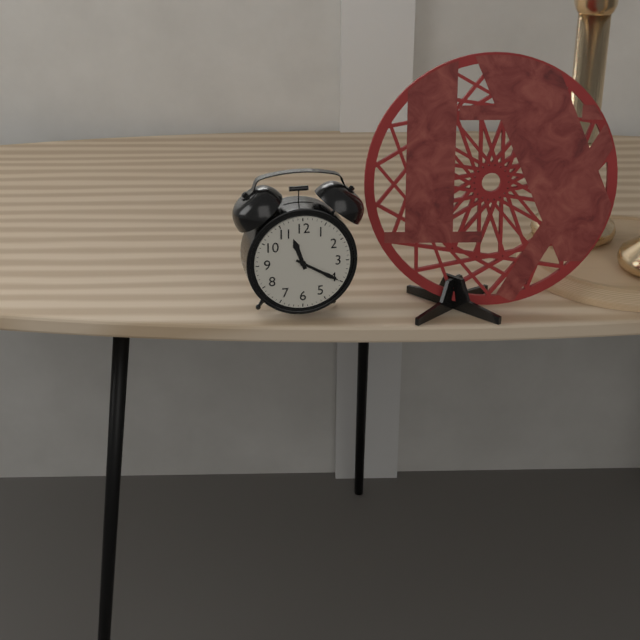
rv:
11h20
